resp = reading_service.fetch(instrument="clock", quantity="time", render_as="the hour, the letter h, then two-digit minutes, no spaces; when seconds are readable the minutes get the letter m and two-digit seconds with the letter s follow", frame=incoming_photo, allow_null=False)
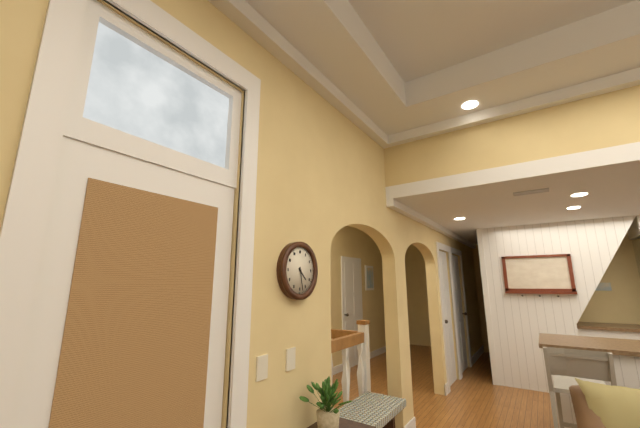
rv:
4h28
